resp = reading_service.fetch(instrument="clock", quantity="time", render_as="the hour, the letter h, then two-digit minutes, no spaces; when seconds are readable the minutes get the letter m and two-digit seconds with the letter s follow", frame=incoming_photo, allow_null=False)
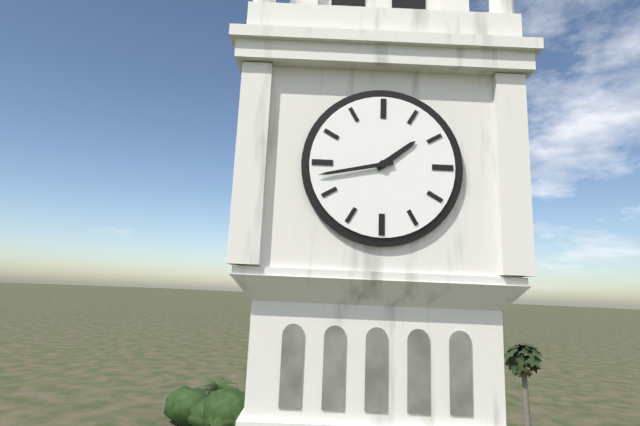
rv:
1h43
